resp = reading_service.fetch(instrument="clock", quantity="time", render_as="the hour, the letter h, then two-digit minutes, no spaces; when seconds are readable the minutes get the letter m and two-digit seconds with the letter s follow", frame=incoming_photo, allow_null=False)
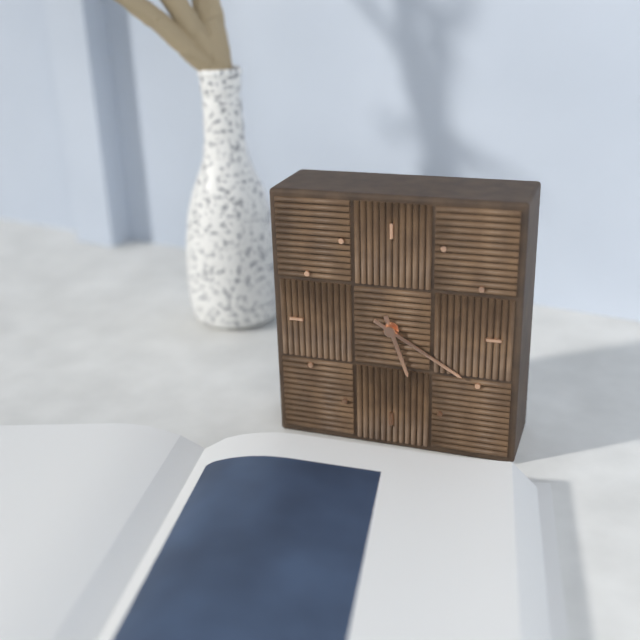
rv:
5h20
